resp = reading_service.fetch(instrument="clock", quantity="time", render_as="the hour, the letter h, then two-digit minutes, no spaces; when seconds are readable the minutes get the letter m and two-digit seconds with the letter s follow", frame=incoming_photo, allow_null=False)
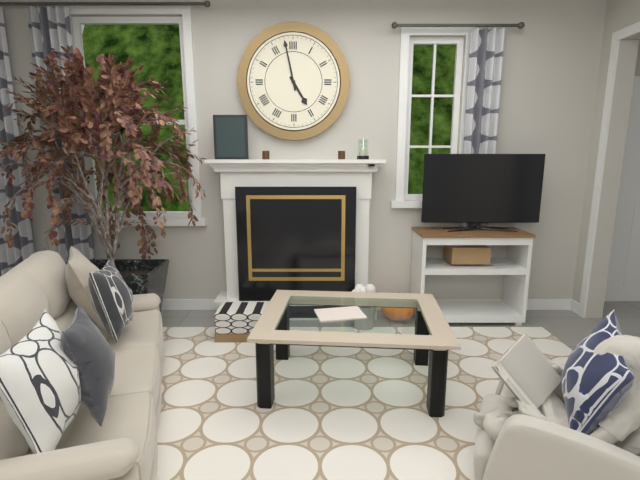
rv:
4h58
